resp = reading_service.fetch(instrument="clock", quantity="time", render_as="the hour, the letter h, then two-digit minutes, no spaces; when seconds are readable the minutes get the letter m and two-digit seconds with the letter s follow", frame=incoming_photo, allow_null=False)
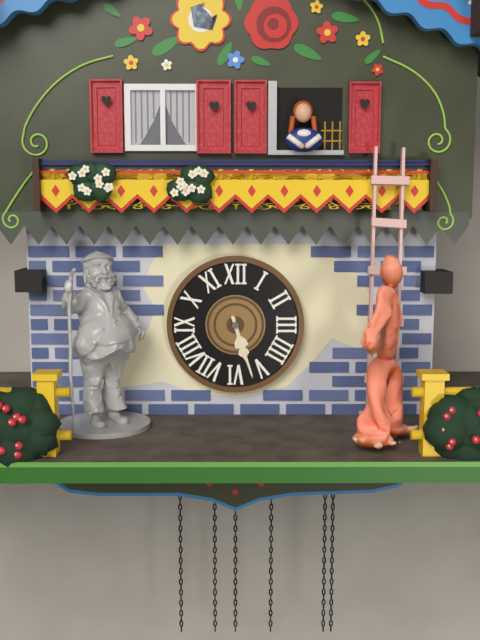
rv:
5h27
